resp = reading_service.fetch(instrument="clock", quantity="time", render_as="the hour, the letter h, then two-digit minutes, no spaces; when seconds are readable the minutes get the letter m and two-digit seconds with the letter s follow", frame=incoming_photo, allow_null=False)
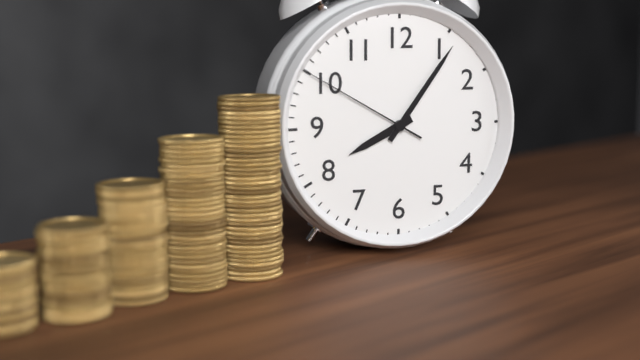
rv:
8h06m50s
